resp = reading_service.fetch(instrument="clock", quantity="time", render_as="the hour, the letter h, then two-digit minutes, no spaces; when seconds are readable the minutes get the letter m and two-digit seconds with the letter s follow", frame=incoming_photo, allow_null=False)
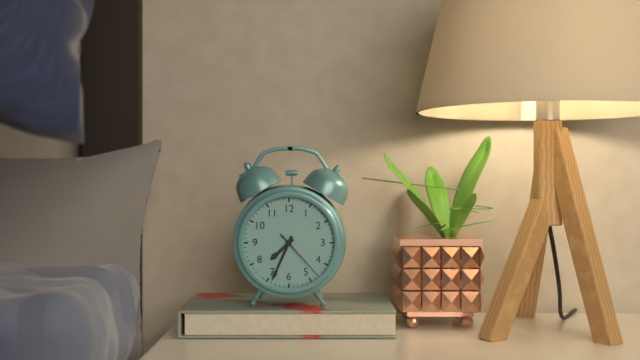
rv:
7h34m23s
